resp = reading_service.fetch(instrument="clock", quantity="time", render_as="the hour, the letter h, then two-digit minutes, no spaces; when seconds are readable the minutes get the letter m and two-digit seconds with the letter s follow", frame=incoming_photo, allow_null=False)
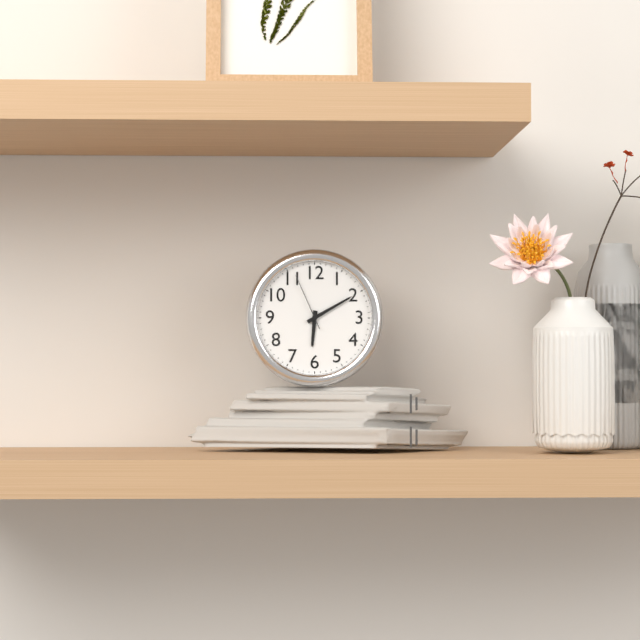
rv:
6h10m56s
